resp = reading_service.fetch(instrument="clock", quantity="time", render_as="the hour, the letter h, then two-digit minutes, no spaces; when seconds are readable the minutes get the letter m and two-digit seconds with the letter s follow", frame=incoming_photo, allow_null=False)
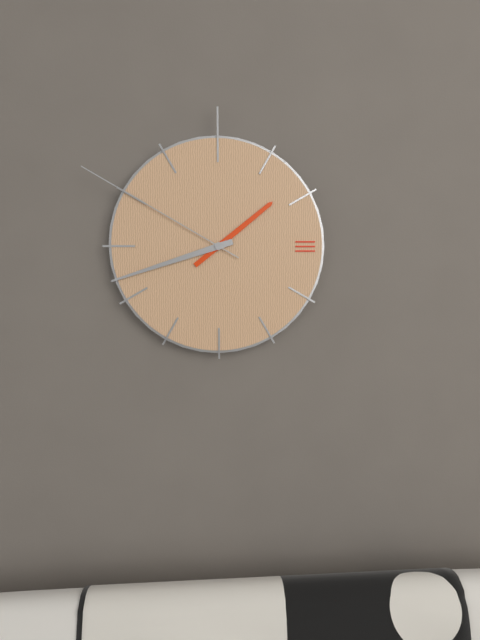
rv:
1h42m50s
